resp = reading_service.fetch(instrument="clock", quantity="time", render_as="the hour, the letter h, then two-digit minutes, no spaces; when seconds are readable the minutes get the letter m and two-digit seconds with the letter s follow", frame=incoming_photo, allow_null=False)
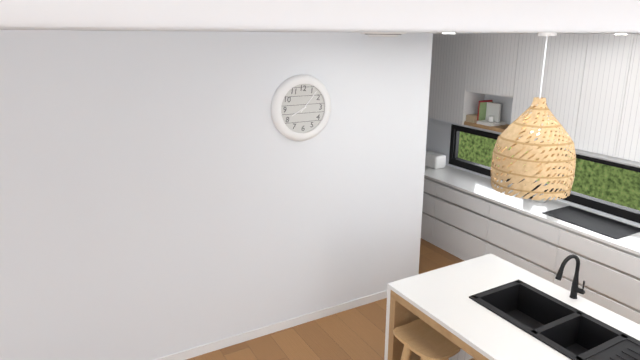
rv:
8h07
